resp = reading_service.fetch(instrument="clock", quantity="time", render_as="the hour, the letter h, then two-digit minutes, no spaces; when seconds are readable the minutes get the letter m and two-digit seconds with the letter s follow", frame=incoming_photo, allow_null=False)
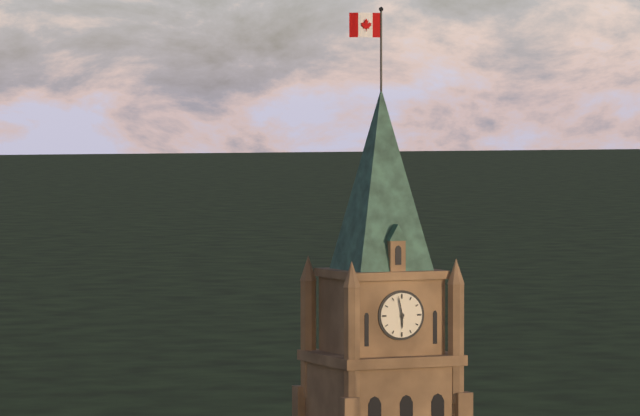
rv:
5h58
